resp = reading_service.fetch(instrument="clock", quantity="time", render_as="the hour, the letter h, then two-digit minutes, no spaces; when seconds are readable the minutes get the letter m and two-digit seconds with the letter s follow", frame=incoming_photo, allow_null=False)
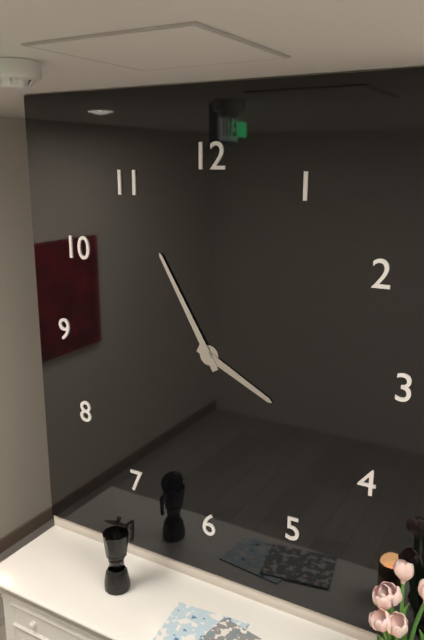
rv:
3h55
